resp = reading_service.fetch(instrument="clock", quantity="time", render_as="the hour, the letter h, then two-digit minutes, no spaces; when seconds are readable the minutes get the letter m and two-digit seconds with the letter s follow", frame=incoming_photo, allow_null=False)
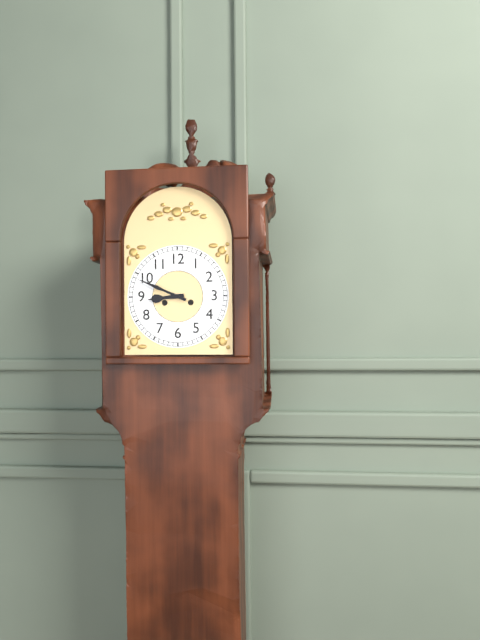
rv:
8h49
